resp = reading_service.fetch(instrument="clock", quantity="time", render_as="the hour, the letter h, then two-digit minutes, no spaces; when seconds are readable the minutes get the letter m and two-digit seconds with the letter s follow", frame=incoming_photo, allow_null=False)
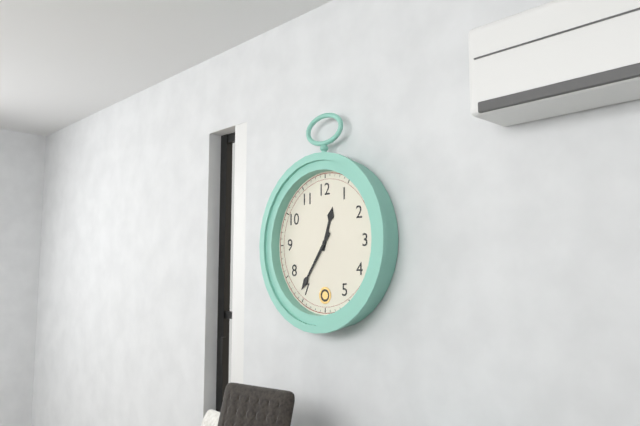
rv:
12h36
